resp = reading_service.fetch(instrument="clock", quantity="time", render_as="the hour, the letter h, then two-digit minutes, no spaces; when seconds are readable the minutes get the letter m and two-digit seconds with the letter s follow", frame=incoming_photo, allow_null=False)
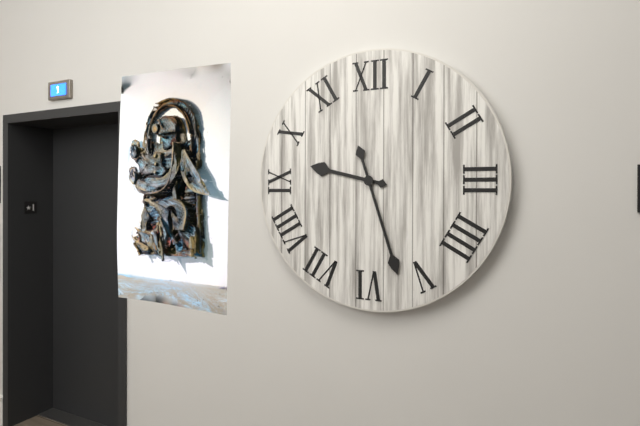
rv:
9h27
